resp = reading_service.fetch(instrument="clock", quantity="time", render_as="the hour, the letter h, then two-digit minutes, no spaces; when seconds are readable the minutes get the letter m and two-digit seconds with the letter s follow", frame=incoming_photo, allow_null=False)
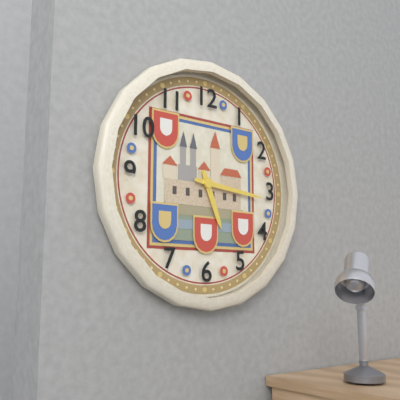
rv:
5h16
